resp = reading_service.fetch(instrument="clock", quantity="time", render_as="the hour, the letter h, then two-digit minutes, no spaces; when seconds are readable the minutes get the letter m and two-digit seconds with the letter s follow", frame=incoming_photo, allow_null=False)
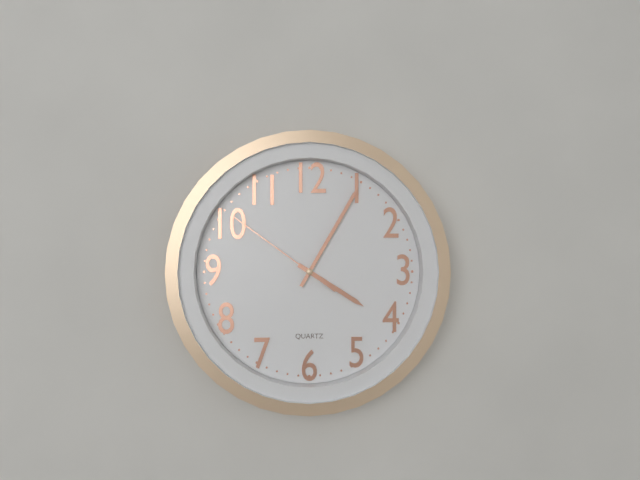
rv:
4h05m51s
